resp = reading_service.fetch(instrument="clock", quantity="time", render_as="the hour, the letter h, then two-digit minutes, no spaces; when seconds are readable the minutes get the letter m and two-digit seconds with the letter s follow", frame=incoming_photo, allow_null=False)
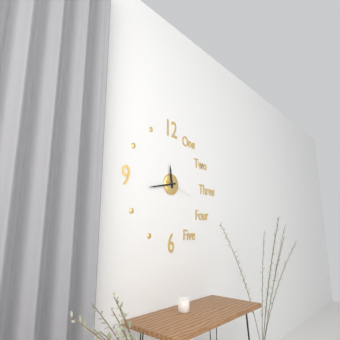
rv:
11h43
